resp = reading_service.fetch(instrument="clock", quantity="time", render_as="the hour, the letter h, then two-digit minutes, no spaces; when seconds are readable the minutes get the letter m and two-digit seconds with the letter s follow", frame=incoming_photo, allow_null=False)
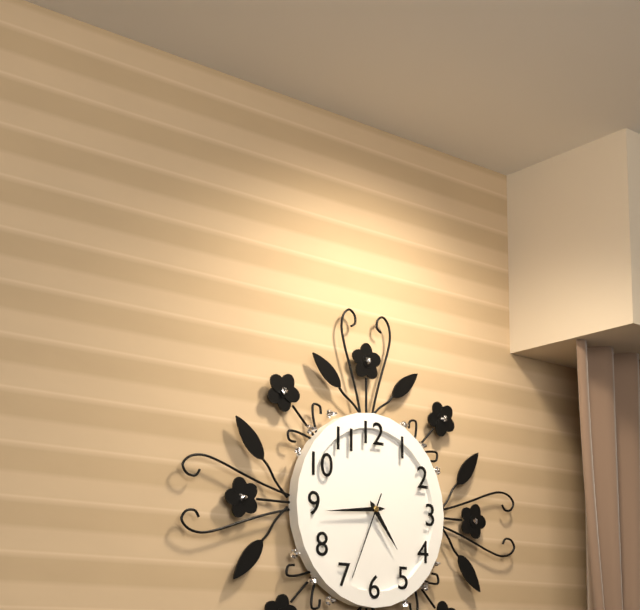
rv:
4h44m34s
